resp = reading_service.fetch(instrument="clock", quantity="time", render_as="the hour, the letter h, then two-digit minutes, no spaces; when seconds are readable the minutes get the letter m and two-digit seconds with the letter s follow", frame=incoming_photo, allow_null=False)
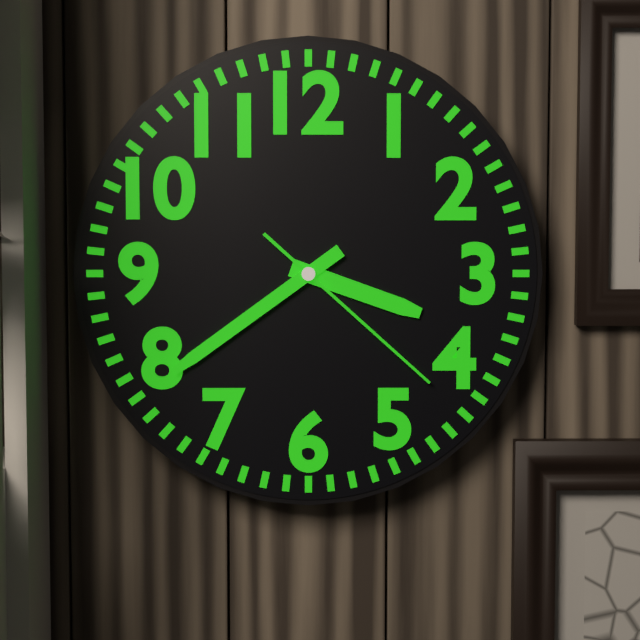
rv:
3h39m22s
